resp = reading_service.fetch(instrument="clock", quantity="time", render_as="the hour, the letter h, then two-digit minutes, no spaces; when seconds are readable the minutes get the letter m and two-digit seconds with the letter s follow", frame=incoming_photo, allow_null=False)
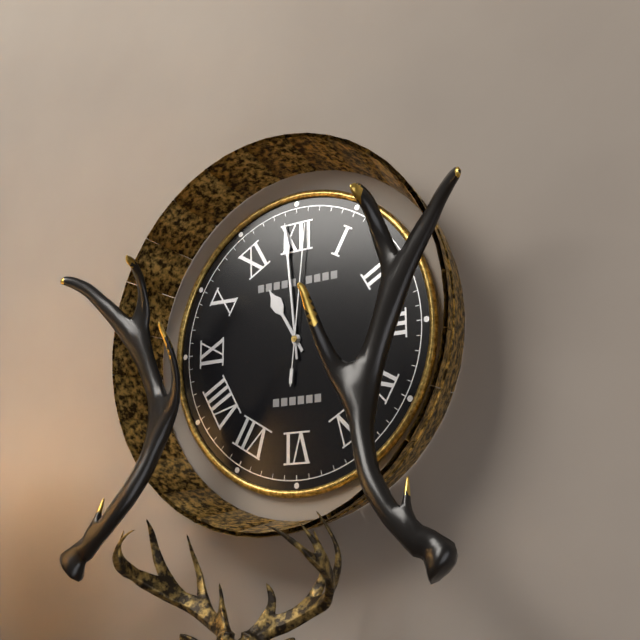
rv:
10h59m01s
